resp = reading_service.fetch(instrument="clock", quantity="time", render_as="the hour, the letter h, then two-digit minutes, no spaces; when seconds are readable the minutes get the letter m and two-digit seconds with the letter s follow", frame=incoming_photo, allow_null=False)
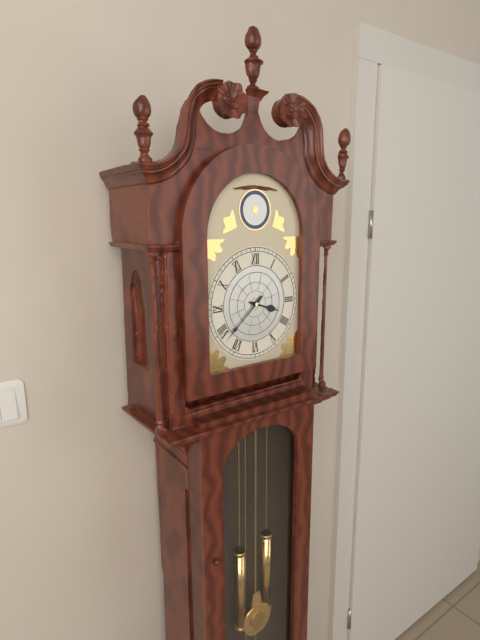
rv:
3h38
